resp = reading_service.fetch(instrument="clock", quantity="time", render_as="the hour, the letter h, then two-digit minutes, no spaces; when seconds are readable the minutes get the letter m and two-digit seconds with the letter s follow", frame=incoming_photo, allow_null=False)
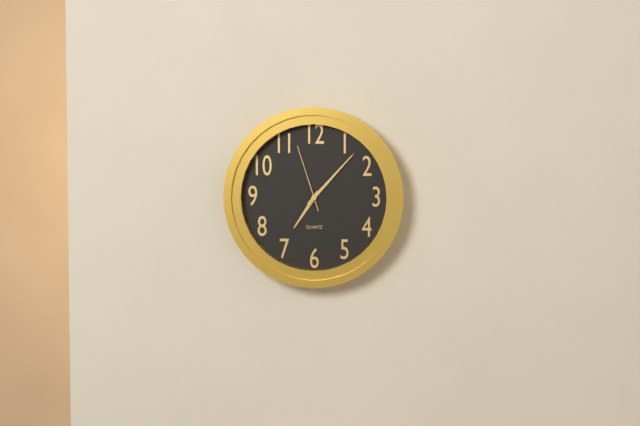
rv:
7h07m57s
